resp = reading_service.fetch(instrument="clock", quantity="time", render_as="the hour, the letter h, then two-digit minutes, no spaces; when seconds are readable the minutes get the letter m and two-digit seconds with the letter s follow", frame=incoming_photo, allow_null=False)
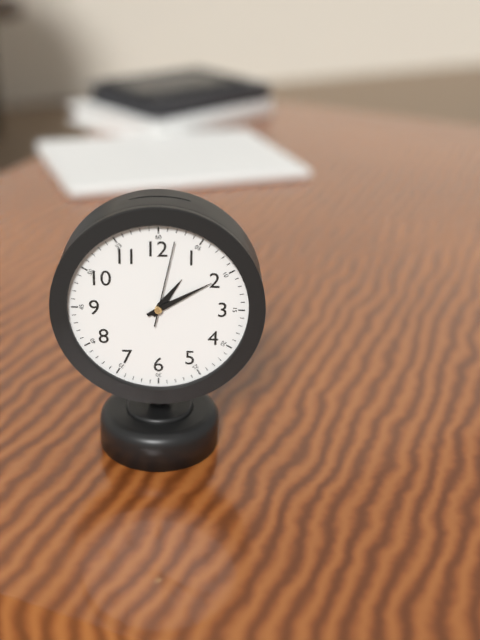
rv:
1h10m02s
